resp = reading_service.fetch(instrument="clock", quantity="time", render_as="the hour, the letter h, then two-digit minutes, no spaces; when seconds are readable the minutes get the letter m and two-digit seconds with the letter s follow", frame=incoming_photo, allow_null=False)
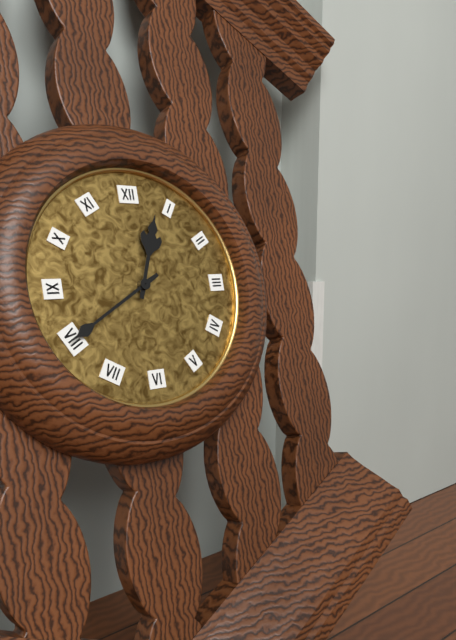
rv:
12h40
